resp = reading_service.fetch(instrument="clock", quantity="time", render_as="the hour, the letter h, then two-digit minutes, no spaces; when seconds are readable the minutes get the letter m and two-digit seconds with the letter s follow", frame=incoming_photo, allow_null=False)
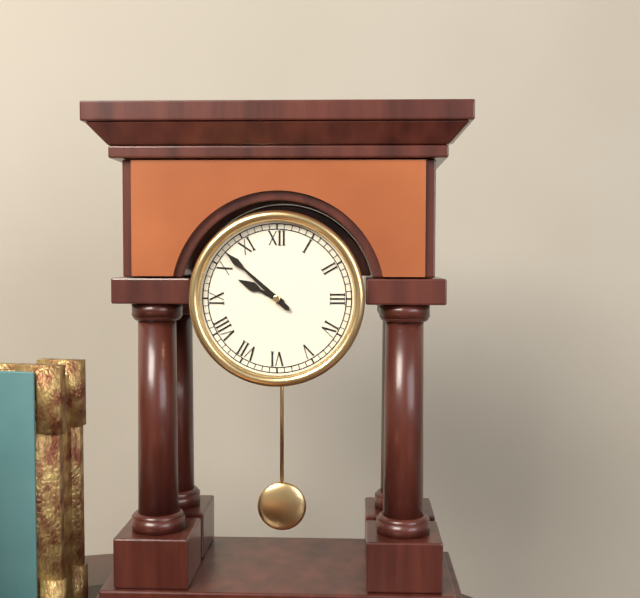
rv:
9h52
